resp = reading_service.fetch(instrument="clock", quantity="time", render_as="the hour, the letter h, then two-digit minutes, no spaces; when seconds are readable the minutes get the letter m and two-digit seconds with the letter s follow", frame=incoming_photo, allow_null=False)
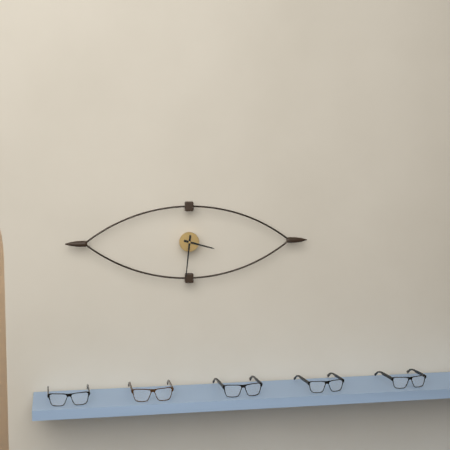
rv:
3h31
